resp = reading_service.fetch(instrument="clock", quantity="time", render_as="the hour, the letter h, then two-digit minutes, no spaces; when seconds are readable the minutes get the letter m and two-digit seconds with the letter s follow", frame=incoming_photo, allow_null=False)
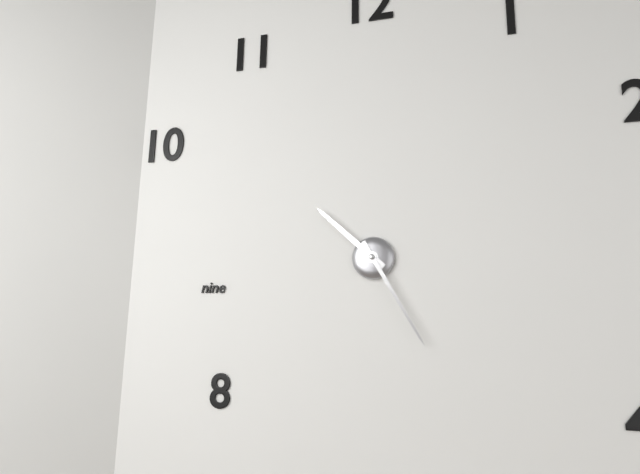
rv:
10h25
